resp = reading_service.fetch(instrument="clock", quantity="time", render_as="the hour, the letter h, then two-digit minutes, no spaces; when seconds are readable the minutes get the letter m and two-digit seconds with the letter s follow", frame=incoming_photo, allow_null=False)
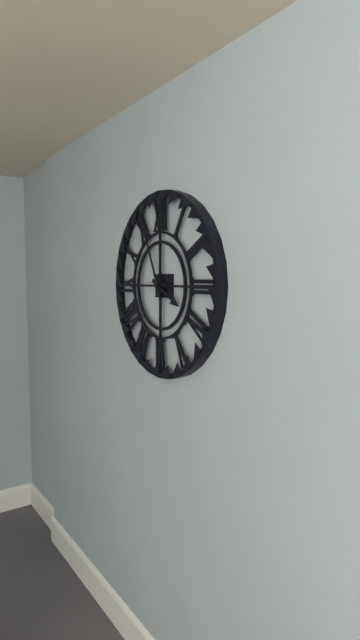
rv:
3h56
